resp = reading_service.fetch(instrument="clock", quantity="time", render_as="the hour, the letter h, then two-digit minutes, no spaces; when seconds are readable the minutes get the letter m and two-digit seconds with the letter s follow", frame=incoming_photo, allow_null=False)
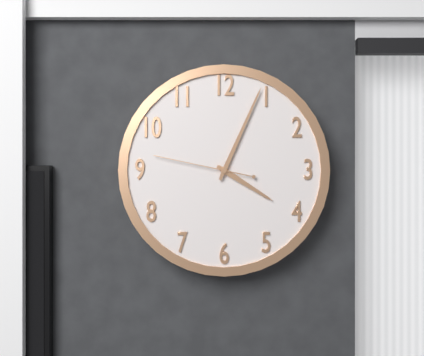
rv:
4h04m47s
